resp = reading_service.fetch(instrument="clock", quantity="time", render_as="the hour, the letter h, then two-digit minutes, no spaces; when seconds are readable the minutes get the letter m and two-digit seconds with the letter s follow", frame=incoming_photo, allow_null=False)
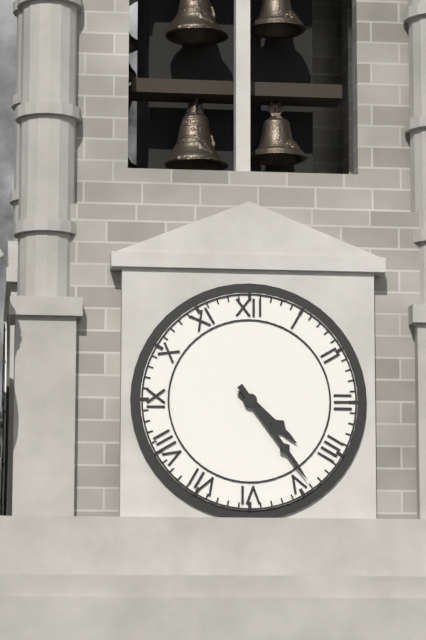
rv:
4h24
